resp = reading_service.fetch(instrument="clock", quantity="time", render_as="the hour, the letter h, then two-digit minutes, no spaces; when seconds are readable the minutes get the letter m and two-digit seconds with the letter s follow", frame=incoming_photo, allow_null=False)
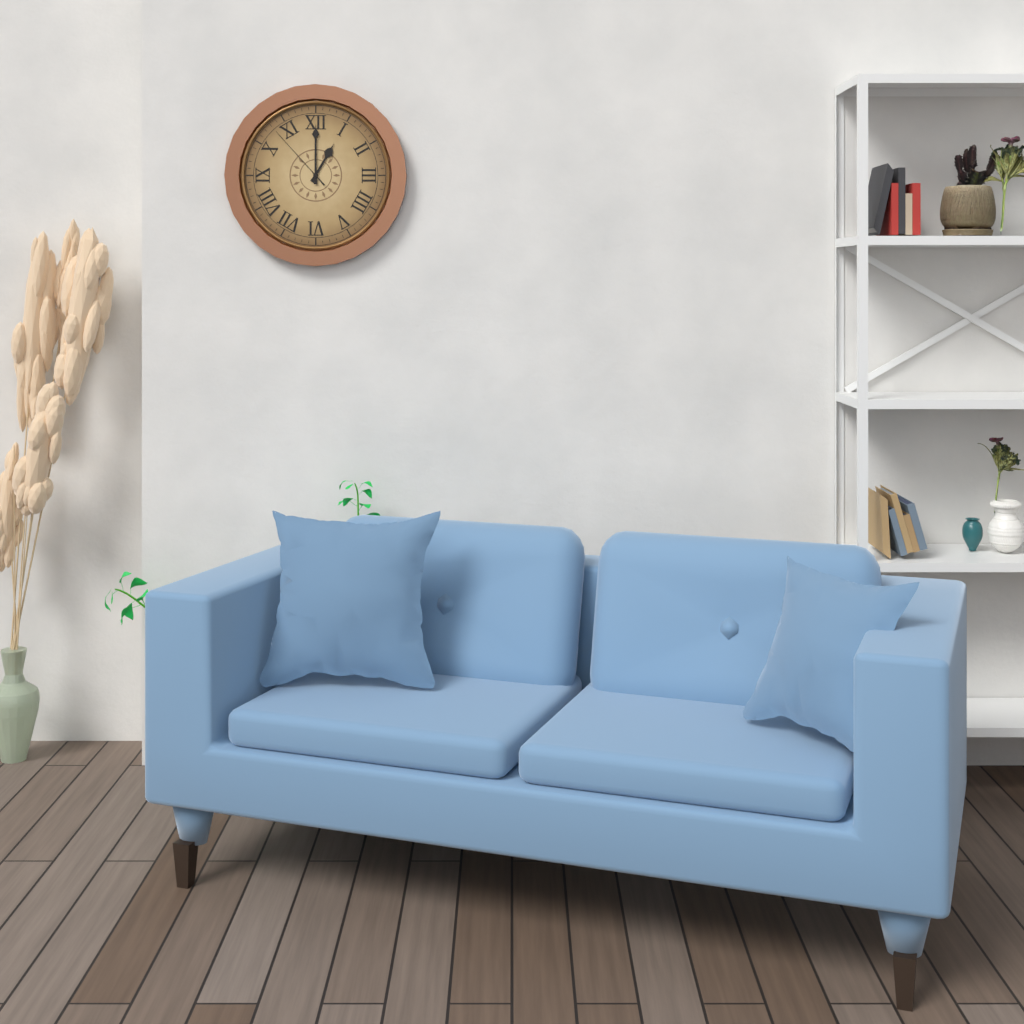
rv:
1h00m53s
